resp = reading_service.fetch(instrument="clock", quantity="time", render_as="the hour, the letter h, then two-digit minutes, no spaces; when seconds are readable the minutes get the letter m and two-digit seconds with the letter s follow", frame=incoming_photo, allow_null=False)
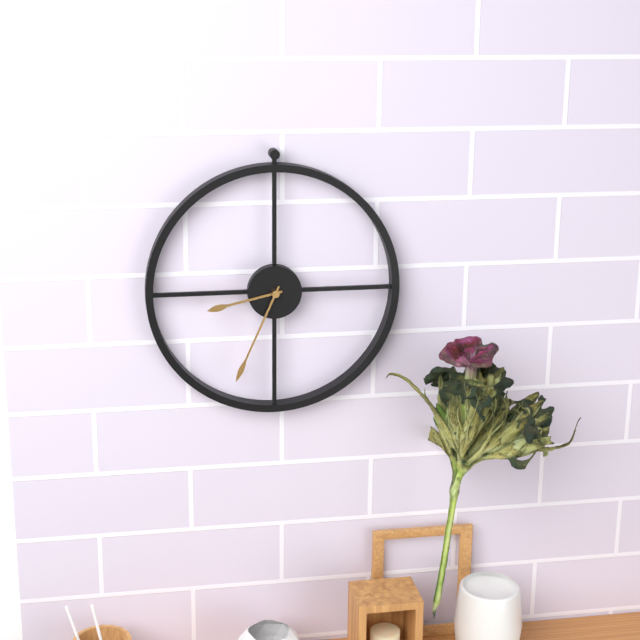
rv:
8h34
